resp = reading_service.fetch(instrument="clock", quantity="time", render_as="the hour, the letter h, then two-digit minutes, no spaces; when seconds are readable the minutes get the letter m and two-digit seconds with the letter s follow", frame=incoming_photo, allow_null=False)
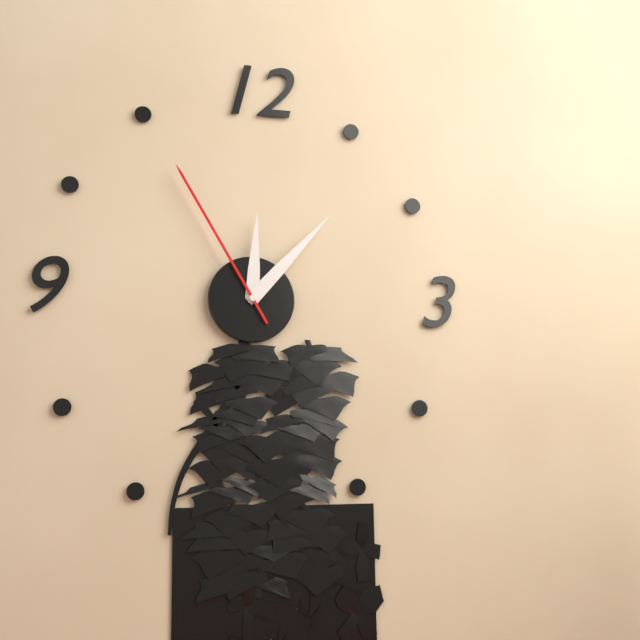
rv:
12h07m55s
